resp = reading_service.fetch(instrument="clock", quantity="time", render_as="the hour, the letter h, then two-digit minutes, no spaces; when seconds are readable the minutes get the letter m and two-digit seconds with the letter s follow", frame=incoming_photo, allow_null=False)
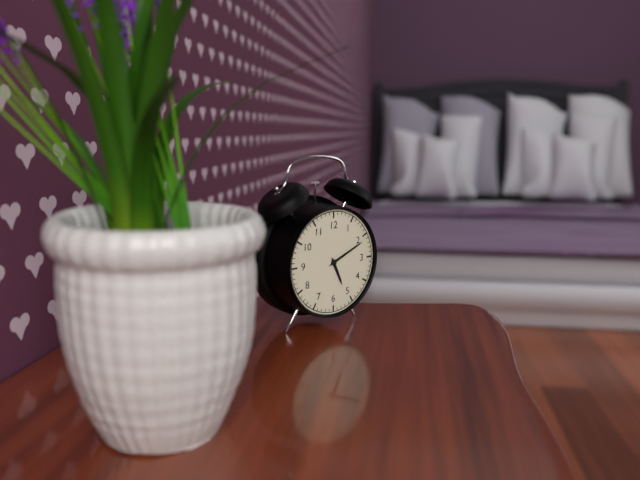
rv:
5h11
